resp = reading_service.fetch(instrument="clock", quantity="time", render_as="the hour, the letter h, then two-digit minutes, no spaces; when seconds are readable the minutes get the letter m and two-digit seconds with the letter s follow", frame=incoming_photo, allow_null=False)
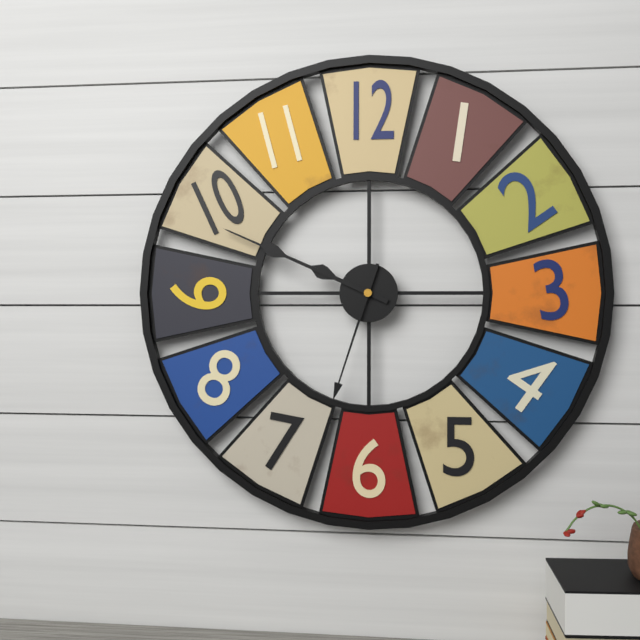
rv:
9h49m33s
